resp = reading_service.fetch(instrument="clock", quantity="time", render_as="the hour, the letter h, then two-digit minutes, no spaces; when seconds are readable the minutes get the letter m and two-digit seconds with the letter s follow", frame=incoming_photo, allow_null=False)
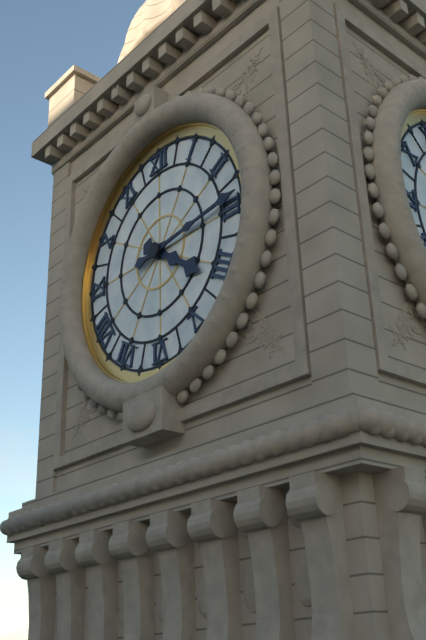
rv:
4h14
